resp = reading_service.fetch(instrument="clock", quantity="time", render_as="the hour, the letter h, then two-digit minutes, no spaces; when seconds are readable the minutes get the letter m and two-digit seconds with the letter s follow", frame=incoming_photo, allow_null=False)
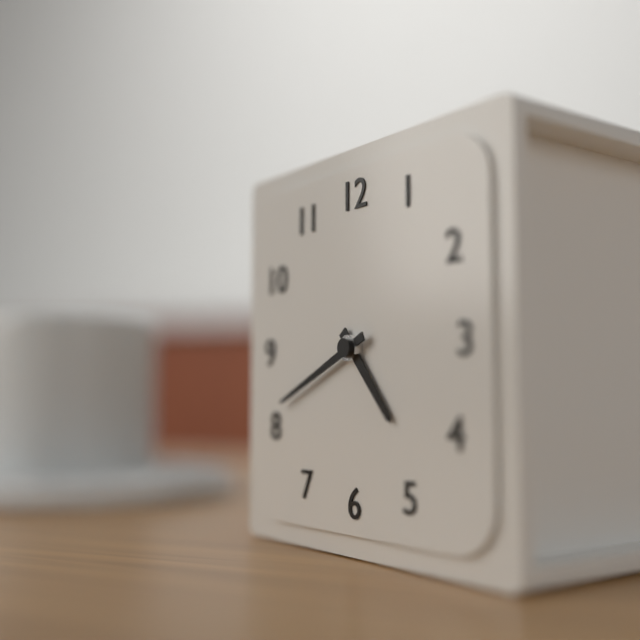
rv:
4h41
